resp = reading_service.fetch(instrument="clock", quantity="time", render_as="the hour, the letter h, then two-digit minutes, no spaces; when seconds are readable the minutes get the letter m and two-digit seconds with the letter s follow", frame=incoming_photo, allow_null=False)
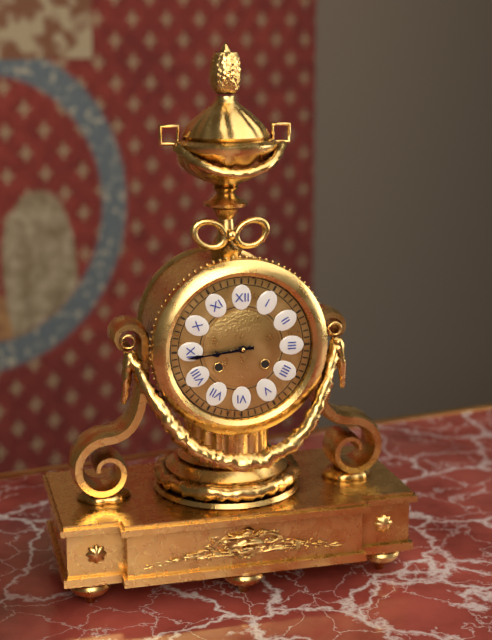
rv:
8h44
